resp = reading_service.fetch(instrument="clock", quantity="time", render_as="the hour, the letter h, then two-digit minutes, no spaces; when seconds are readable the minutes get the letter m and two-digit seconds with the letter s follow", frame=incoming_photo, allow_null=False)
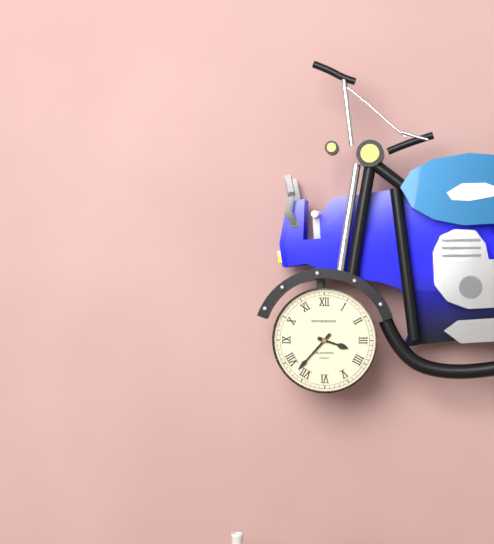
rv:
3h37
